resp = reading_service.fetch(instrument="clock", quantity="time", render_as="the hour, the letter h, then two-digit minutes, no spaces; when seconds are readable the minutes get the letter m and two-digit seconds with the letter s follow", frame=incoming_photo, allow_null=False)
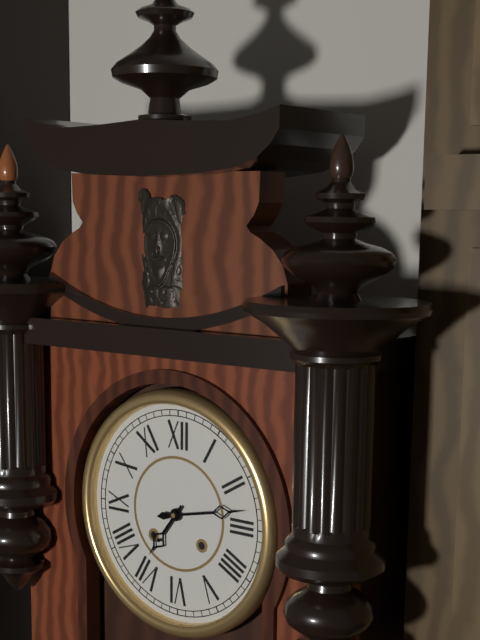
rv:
7h13
